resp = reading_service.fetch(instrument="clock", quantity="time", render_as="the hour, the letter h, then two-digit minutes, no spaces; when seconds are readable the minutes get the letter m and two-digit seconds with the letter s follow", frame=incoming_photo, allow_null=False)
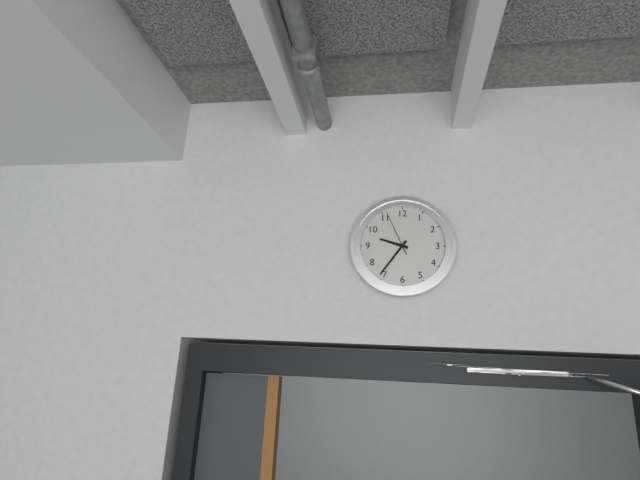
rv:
9h36
